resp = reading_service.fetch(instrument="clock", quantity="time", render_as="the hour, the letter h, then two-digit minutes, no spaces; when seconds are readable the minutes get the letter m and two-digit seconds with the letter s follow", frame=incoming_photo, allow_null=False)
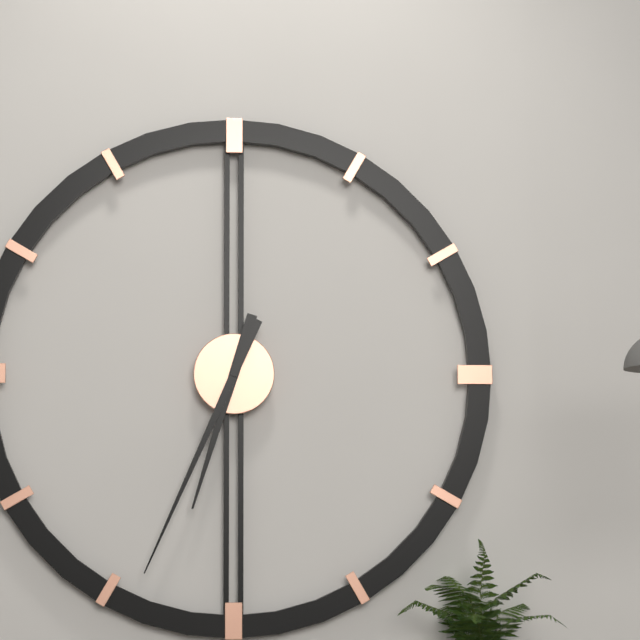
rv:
6h34
